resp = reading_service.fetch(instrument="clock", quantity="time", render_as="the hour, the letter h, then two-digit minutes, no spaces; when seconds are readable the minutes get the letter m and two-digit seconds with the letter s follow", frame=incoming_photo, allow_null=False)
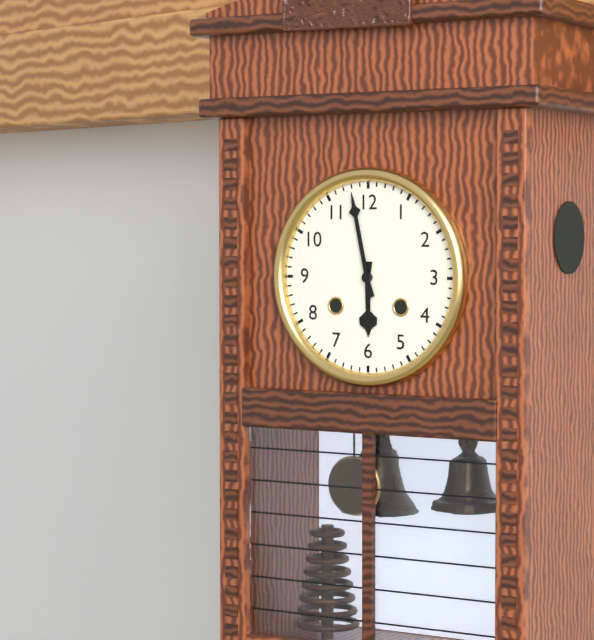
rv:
5h58
